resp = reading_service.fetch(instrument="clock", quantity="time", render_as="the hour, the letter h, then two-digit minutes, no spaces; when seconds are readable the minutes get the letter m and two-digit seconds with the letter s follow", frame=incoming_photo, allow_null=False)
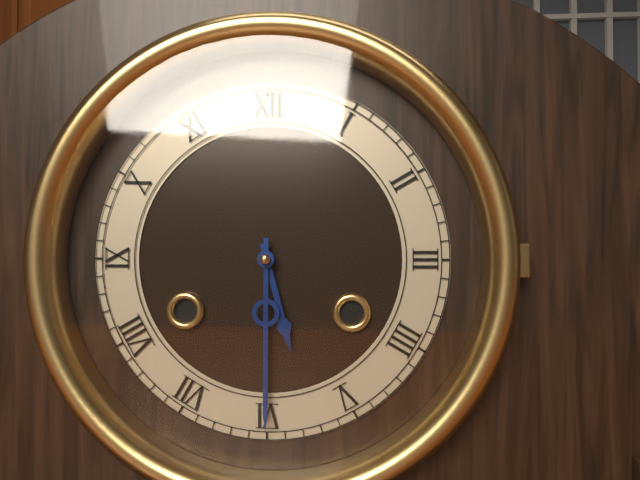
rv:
5h30
